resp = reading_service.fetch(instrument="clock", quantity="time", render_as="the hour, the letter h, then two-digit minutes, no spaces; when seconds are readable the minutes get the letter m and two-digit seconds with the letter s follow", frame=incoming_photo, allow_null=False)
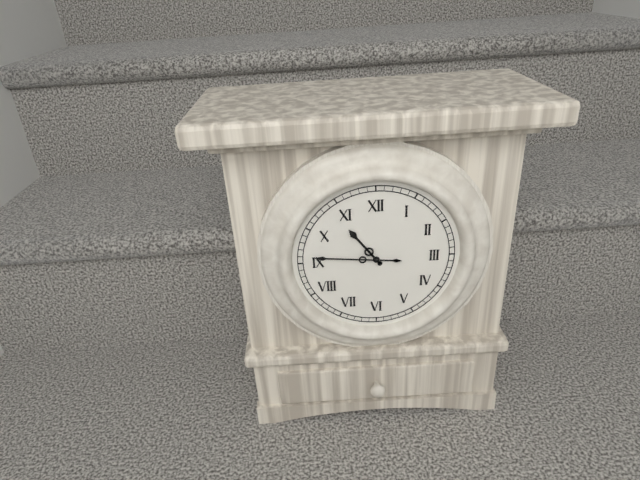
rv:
10h46
